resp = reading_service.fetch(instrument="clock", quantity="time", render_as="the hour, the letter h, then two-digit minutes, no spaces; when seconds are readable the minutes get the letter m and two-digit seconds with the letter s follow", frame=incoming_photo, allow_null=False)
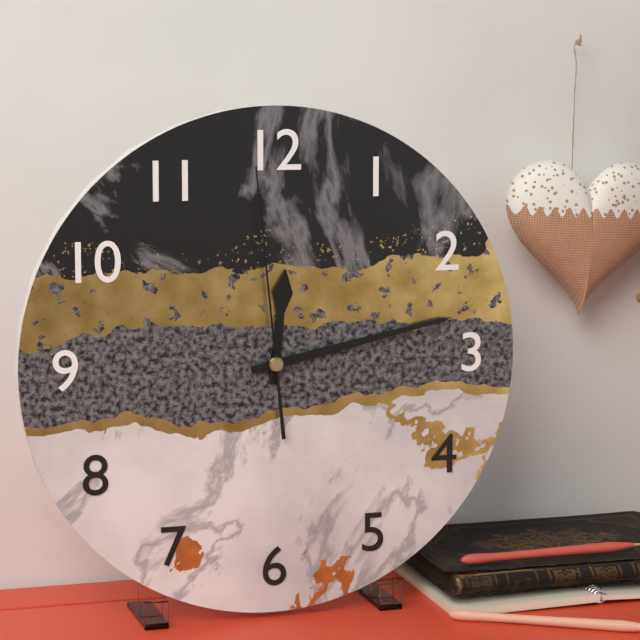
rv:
12h13m59s
